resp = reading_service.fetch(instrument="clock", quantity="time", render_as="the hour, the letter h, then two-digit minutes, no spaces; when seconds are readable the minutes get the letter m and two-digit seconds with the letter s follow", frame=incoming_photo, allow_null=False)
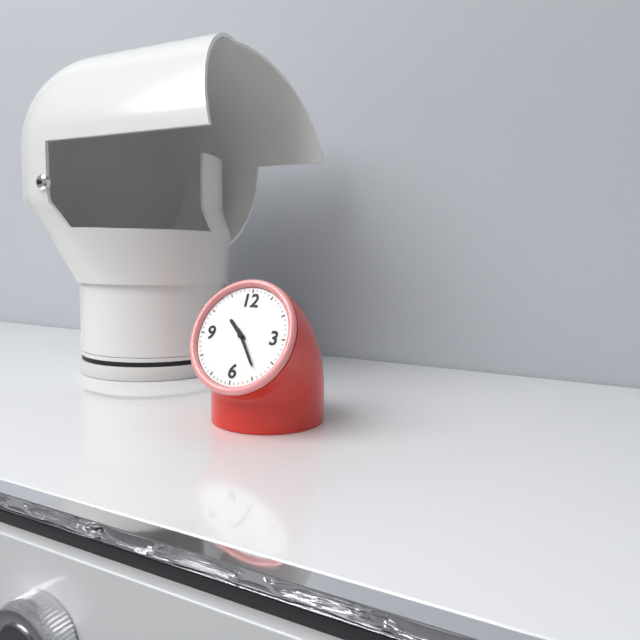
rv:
10h24
